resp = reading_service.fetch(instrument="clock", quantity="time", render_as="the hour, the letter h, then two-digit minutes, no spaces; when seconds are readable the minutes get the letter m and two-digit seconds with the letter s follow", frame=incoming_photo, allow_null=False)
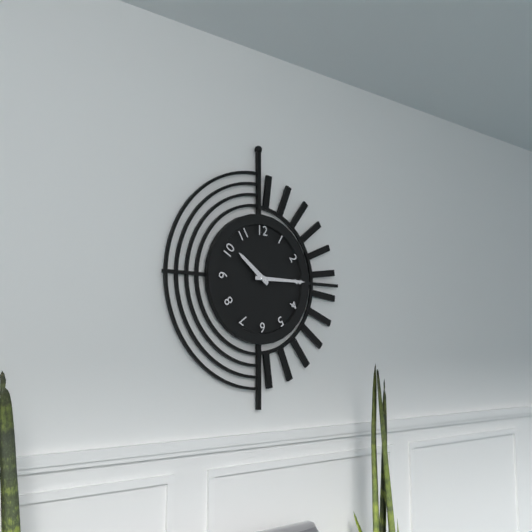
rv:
10h15
